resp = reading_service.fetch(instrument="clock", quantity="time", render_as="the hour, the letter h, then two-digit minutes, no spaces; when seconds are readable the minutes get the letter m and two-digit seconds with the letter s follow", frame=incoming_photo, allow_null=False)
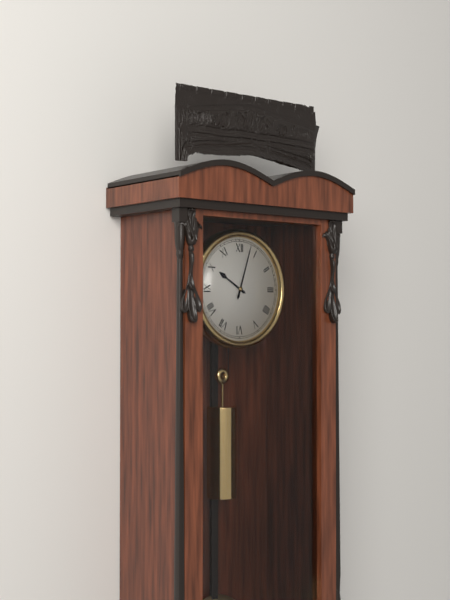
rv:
10h03
